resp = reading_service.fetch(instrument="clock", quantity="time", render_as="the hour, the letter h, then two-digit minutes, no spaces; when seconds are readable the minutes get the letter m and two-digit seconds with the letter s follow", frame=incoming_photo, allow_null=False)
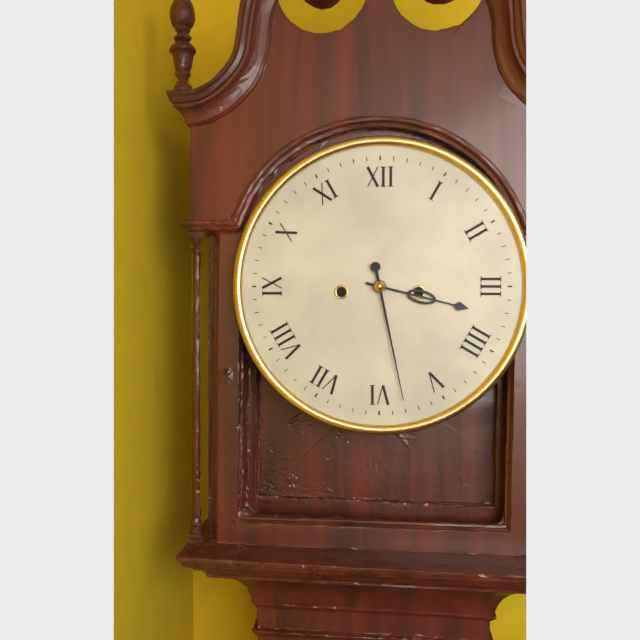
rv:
3h28
